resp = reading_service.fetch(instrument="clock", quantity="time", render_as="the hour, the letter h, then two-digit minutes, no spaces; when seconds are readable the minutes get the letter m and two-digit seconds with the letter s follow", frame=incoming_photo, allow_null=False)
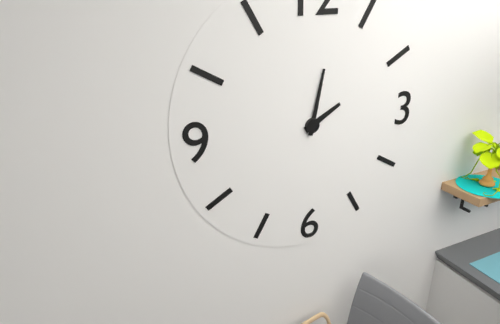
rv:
2h02
